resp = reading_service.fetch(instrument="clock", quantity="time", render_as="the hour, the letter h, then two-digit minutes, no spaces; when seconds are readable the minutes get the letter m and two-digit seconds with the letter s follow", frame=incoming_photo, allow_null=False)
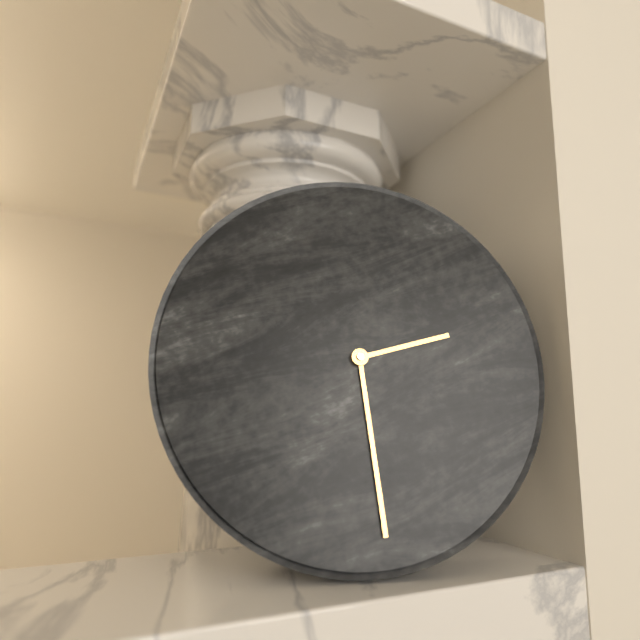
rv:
2h29
